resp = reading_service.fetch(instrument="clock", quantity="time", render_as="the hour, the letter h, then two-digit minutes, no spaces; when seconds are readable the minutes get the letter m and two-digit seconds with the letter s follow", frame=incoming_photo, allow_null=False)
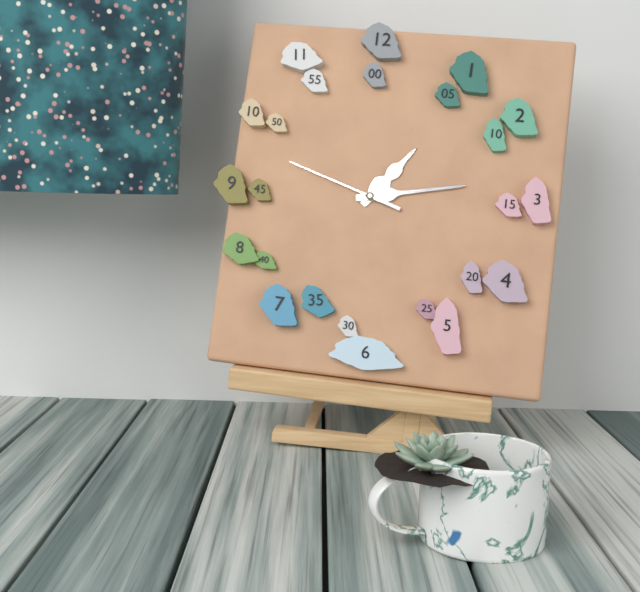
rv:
1h13m48s
